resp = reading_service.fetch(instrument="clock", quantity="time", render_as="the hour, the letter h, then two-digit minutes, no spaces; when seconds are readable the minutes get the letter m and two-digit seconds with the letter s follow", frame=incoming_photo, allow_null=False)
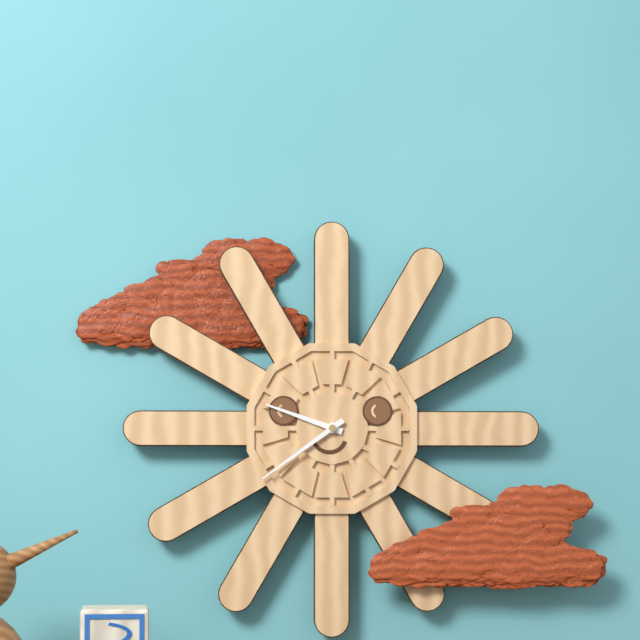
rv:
9h39
